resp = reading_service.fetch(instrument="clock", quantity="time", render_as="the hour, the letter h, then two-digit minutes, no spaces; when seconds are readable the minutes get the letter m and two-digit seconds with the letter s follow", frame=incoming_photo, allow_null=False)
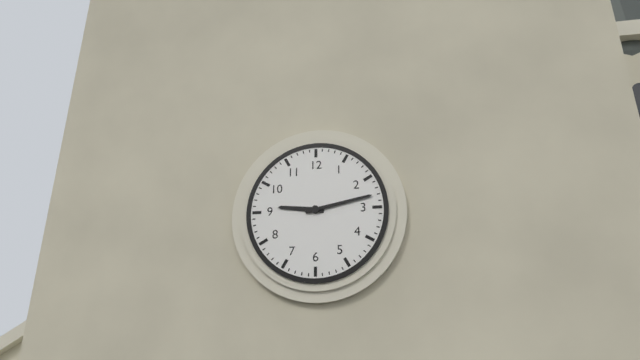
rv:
9h13
